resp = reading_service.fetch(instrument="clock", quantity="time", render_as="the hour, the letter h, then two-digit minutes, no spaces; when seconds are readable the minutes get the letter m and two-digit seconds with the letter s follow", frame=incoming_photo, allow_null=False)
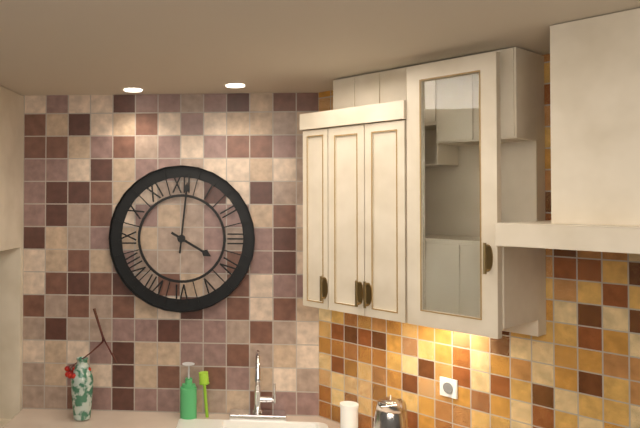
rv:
4h01
